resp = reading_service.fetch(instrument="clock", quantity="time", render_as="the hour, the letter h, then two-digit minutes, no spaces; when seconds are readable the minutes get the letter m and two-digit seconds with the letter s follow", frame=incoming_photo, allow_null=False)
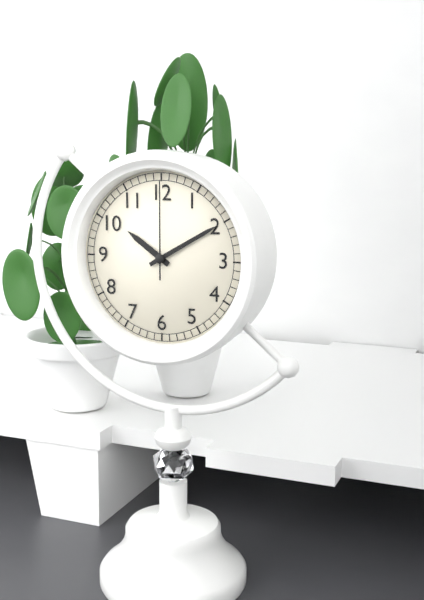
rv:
10h10m00s
